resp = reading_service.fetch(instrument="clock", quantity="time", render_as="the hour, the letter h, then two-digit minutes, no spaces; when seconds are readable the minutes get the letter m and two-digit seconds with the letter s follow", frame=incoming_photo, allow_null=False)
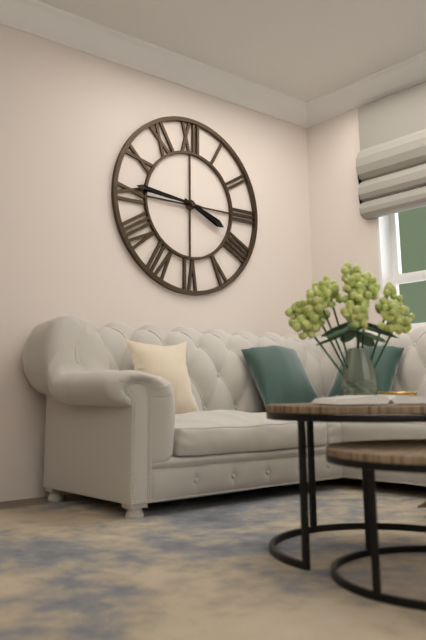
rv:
3h46
